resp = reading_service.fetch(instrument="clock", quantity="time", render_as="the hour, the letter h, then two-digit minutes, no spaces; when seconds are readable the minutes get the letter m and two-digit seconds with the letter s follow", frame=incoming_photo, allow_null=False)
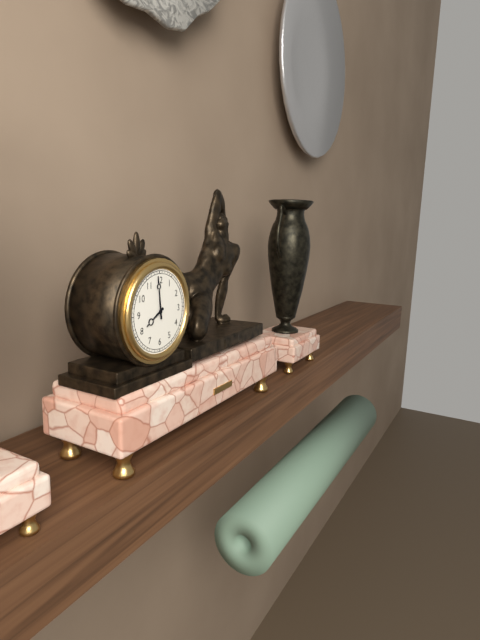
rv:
7h59
